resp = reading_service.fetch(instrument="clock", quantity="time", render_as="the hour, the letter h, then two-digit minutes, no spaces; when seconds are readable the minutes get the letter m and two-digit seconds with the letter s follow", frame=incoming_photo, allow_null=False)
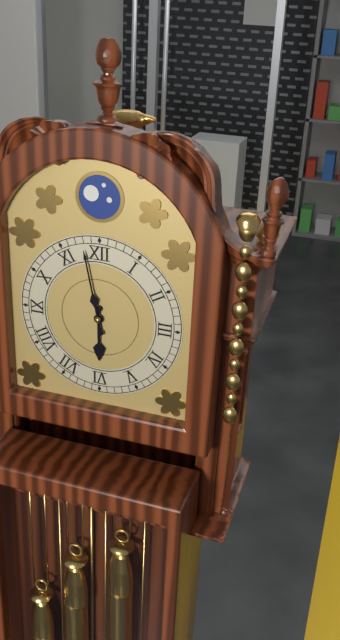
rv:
5h58
